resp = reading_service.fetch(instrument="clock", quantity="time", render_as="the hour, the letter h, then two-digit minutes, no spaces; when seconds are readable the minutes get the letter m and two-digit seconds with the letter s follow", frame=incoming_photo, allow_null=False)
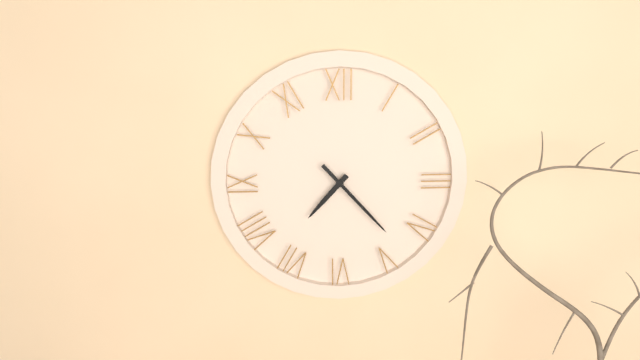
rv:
7h23
